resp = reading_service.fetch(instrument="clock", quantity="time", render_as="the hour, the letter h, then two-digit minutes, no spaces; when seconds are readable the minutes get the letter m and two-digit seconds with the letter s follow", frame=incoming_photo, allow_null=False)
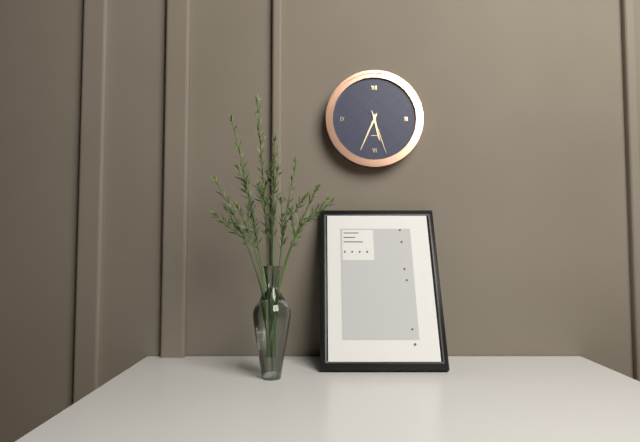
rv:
5h34
